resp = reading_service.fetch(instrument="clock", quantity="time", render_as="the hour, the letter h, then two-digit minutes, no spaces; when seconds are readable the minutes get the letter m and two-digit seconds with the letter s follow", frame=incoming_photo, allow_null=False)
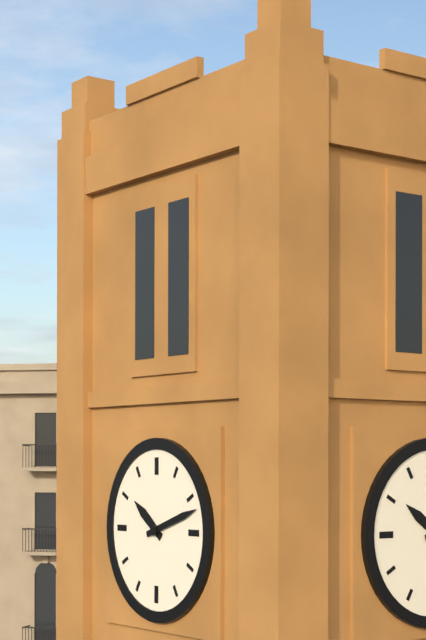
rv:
10h12
